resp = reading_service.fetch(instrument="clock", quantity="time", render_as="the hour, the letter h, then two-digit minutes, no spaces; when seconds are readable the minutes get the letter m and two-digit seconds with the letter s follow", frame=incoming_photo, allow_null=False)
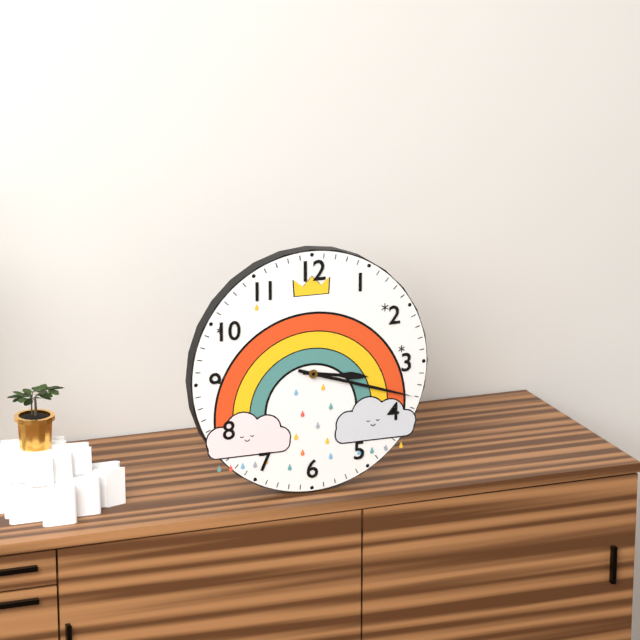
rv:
3h18
